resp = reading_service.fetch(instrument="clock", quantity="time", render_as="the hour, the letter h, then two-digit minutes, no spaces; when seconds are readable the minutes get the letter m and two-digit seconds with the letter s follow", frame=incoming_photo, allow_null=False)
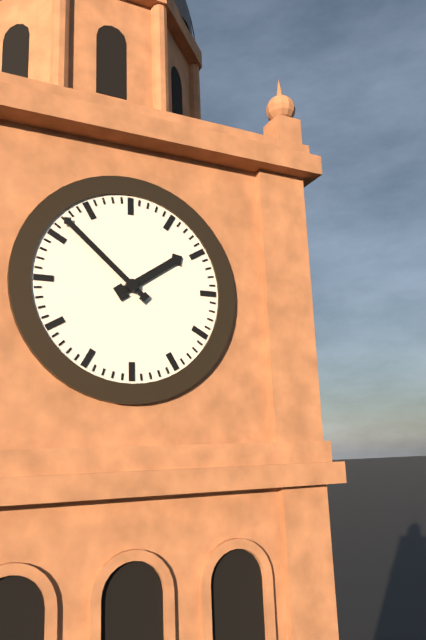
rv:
1h52
